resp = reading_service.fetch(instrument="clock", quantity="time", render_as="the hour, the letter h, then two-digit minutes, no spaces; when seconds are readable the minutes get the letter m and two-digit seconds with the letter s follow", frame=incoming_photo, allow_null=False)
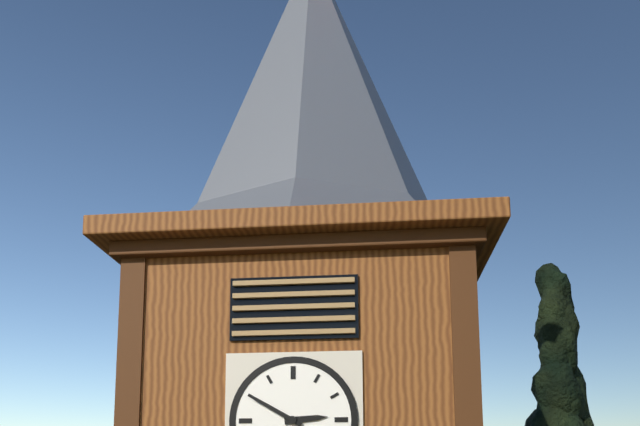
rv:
2h50
